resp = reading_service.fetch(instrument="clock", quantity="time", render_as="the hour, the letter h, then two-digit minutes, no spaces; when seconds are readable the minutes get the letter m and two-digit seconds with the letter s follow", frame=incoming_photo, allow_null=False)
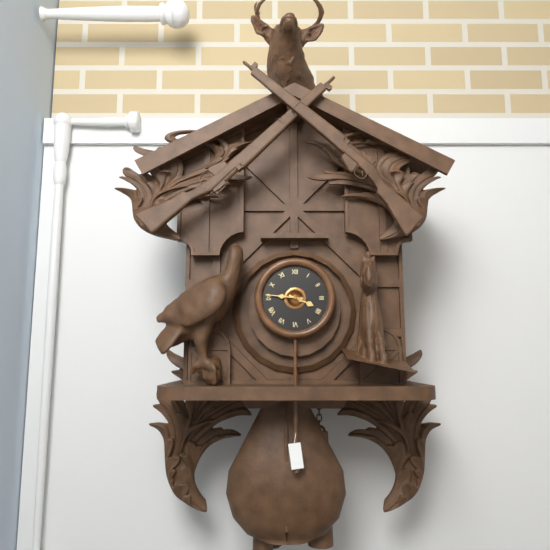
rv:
3h46
